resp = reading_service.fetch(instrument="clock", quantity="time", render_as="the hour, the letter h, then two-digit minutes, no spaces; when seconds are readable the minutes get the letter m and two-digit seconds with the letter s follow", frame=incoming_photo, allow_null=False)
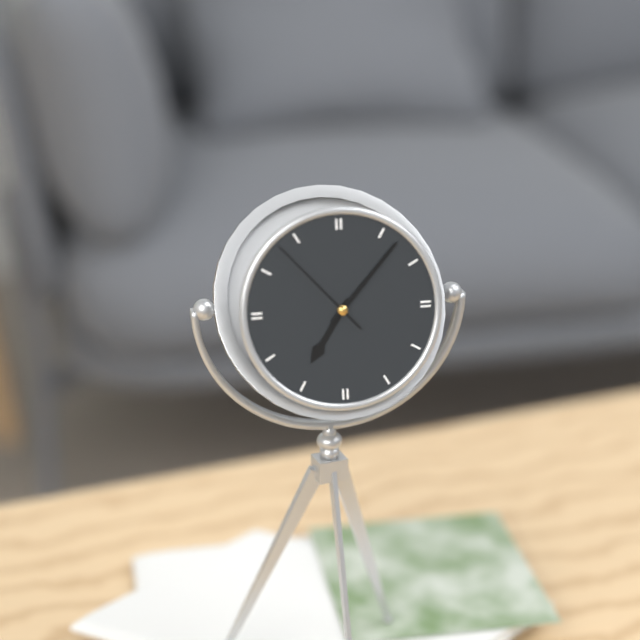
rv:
7h07m53s
